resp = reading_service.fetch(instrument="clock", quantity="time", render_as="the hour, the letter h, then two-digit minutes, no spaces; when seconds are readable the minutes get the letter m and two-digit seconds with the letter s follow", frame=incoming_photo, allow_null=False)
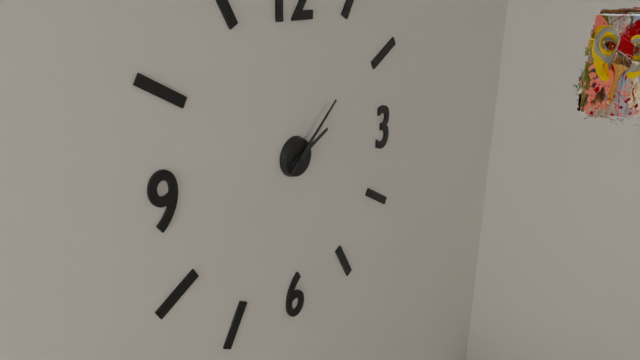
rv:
2h08
